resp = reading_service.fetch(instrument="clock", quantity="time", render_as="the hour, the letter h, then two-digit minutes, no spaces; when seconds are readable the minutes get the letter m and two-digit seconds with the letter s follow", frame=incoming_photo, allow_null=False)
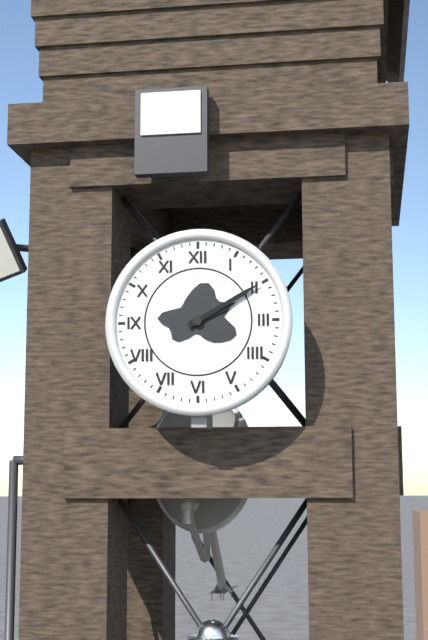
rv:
2h10
